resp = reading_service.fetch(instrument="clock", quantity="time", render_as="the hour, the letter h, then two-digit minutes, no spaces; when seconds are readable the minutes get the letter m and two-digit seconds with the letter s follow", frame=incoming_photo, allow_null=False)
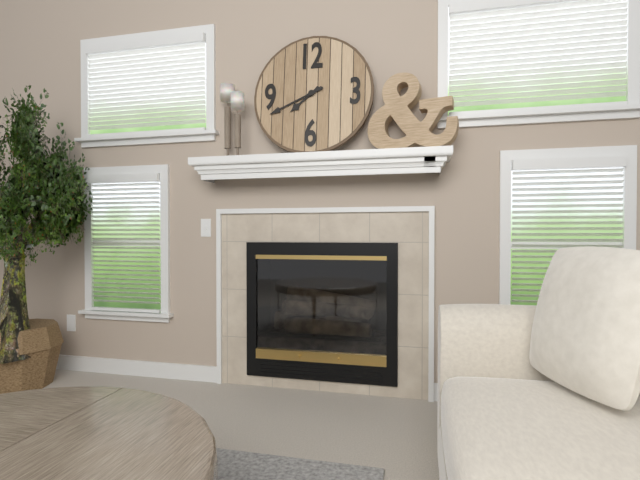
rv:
7h41
